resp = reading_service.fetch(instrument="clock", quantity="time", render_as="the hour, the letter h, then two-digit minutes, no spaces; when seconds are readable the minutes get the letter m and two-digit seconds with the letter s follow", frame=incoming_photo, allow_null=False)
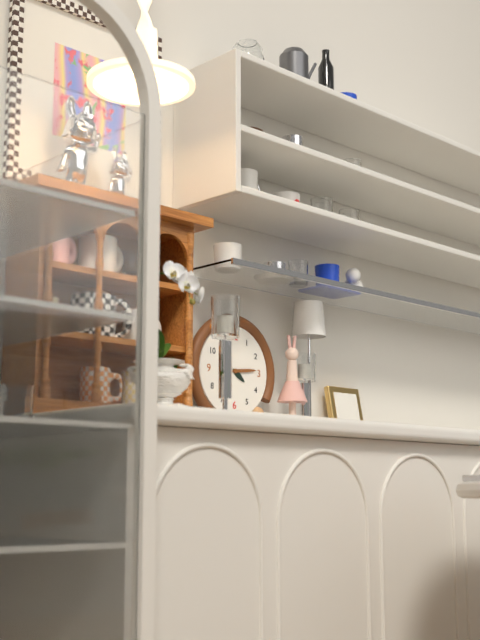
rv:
4h14
